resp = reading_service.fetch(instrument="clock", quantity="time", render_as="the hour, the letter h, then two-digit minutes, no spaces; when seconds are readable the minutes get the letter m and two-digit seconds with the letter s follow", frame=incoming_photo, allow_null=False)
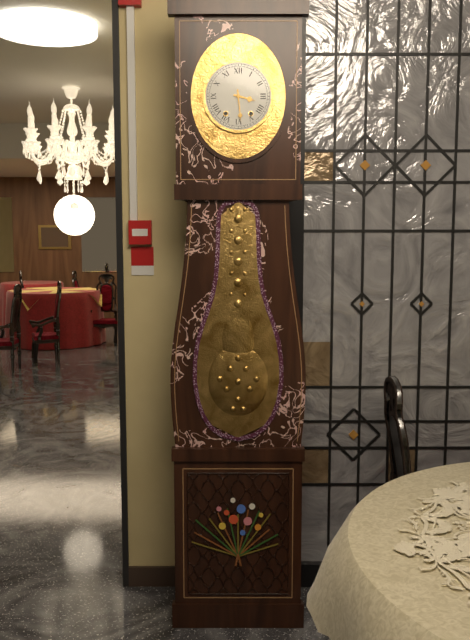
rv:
3h29
